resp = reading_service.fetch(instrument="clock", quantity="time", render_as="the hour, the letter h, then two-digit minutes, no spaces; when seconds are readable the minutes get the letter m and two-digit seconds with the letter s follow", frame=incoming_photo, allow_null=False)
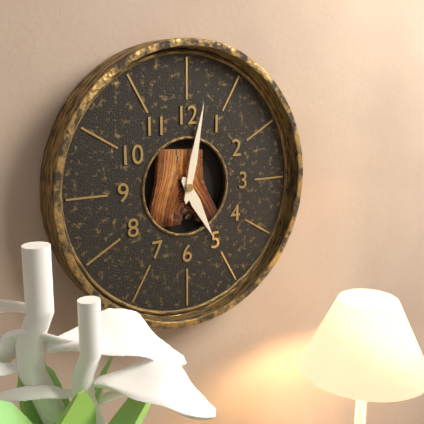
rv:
5h02
